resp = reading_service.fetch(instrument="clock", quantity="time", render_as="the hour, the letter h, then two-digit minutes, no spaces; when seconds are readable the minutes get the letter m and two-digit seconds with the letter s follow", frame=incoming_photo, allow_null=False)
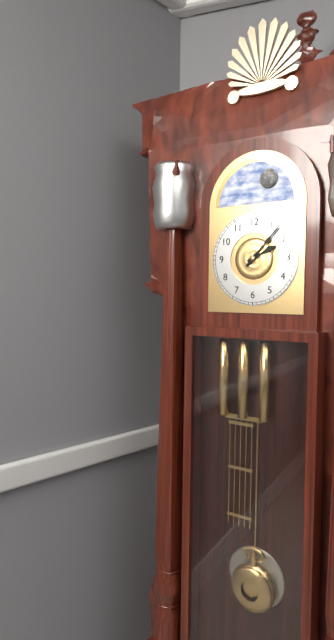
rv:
2h07
